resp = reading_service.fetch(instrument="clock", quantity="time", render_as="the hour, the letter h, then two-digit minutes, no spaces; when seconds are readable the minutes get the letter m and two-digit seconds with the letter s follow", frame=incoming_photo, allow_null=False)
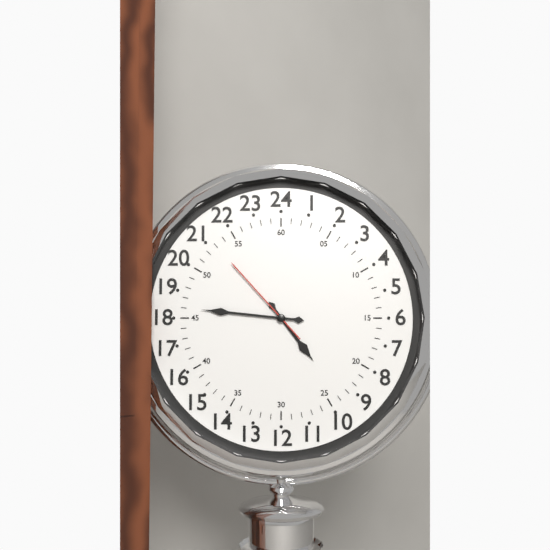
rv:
4h46m53s
